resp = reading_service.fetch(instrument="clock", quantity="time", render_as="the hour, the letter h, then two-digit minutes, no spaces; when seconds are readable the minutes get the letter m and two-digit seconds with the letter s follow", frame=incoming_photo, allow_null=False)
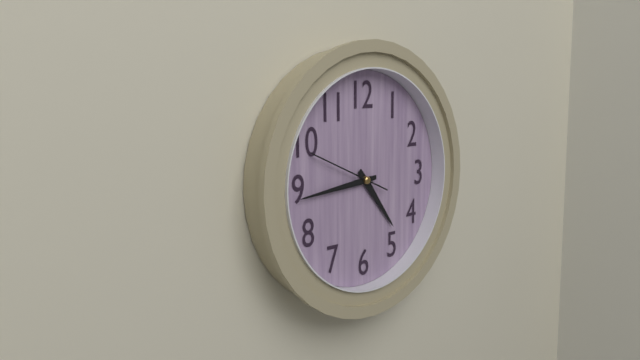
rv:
4h44m49s
